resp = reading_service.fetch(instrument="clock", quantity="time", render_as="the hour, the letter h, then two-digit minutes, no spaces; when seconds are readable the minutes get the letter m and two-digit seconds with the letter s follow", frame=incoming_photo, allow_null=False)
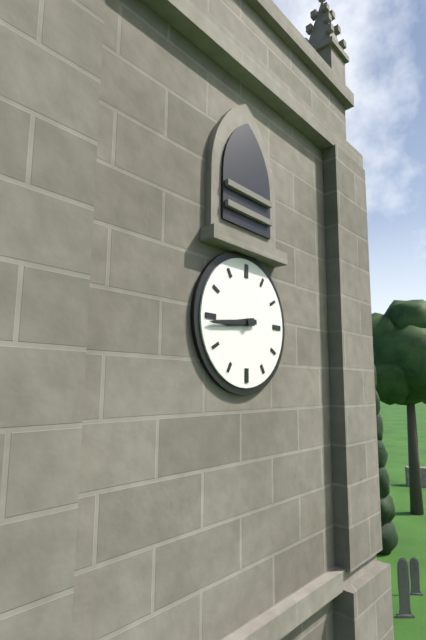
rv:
8h44
